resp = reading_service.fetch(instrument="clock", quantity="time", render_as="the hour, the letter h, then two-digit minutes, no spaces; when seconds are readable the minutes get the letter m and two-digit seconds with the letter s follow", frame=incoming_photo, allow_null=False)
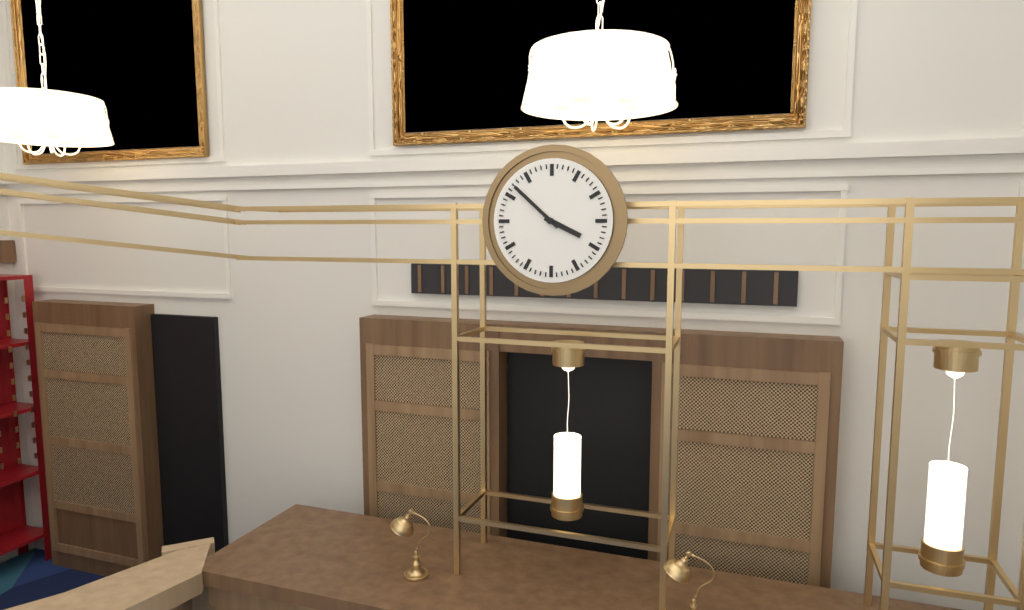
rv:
3h52
